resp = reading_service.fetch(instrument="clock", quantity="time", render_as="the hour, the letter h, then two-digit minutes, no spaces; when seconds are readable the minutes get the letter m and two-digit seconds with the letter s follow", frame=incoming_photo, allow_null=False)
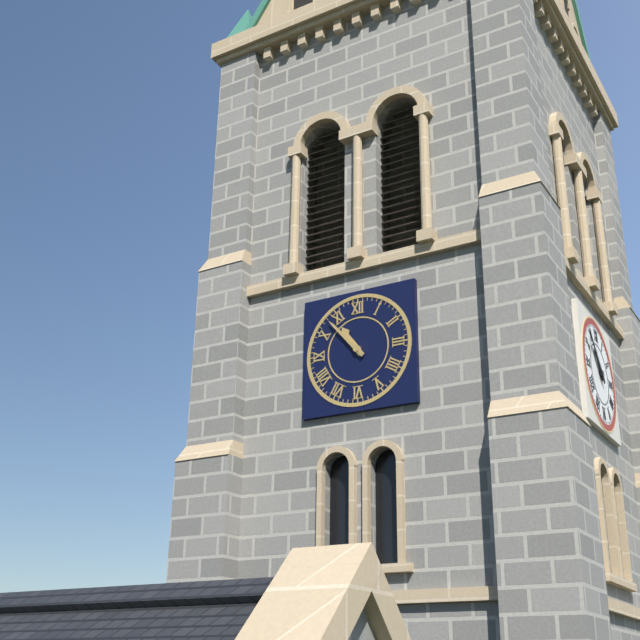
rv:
10h53
